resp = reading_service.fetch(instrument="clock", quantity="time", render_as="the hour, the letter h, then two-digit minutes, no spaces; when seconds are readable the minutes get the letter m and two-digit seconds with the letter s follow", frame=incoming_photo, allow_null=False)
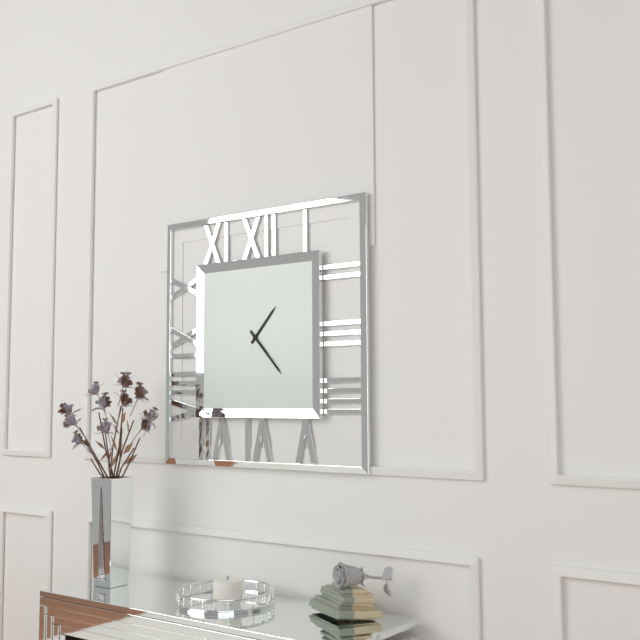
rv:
1h23
